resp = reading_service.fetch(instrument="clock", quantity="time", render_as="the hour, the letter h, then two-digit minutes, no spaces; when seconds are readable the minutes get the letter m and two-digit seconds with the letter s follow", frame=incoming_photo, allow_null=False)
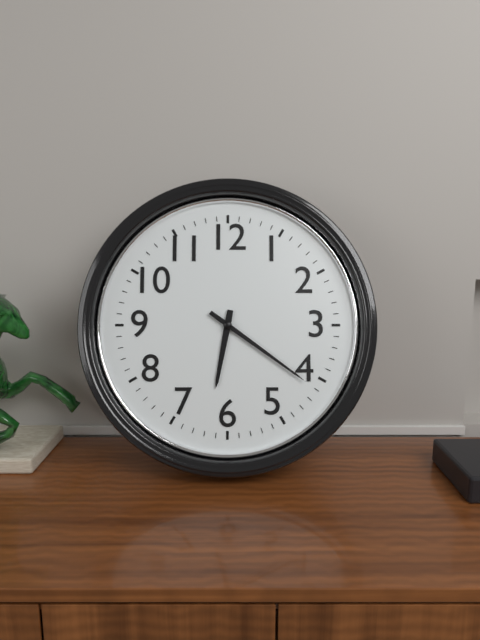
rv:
6h21
